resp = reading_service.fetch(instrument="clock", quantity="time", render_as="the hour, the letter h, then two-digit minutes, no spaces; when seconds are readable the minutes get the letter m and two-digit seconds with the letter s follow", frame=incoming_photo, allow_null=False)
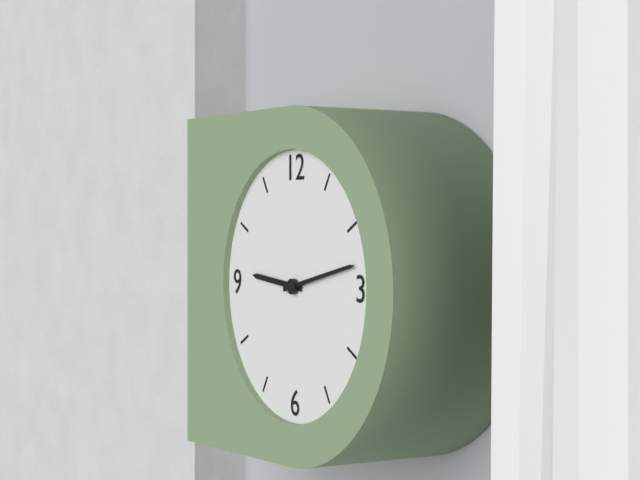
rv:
9h13
